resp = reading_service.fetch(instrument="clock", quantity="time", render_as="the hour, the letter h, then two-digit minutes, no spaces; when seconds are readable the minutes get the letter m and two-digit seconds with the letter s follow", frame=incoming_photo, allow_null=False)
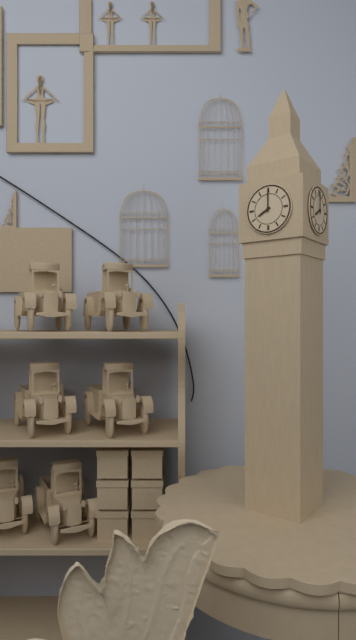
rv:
8h00
